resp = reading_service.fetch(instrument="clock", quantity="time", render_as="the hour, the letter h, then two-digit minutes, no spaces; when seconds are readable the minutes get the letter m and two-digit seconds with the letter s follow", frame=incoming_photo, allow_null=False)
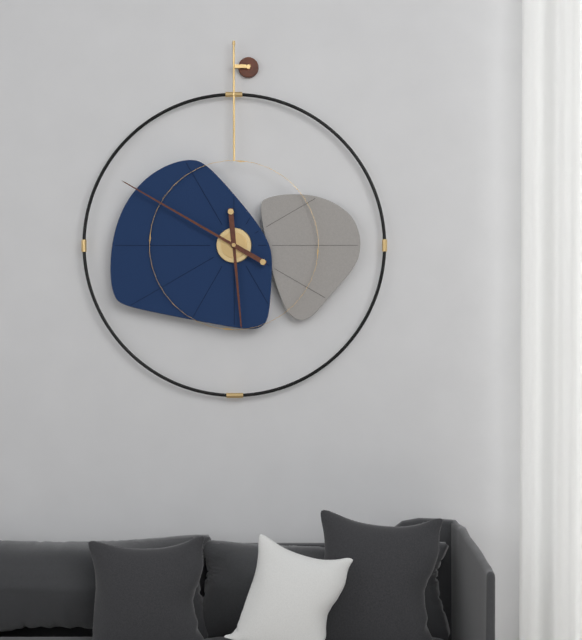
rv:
5h50
